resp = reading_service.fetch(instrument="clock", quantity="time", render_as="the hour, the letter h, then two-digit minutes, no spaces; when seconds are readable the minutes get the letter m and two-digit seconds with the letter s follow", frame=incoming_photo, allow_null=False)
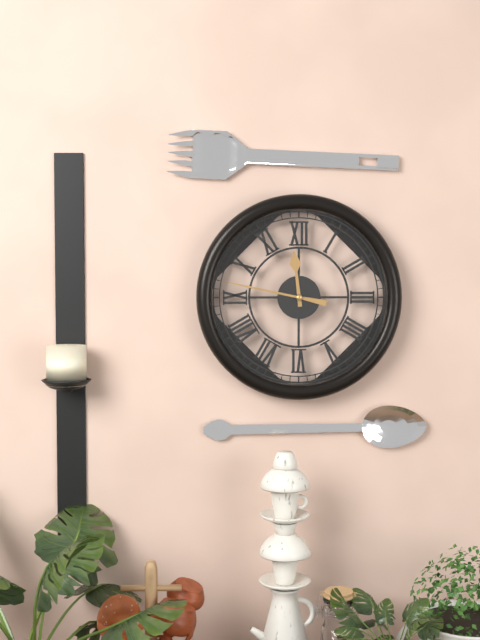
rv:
11h47
